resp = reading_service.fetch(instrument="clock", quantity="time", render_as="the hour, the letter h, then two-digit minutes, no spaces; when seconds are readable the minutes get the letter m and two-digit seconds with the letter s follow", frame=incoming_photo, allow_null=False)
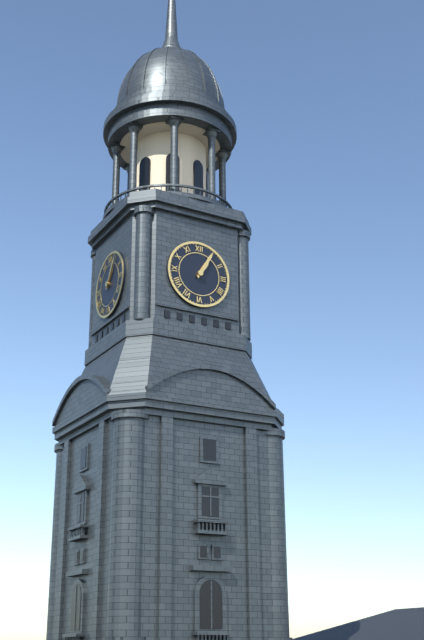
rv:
1h05
